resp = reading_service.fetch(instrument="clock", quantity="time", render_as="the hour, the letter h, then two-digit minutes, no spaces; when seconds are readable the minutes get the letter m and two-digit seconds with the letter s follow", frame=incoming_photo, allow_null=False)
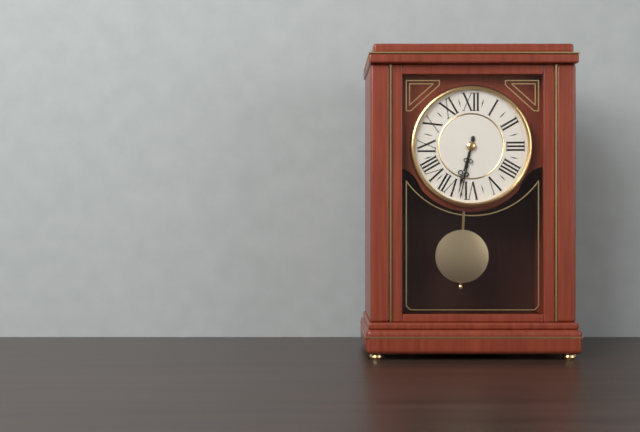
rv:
6h32
